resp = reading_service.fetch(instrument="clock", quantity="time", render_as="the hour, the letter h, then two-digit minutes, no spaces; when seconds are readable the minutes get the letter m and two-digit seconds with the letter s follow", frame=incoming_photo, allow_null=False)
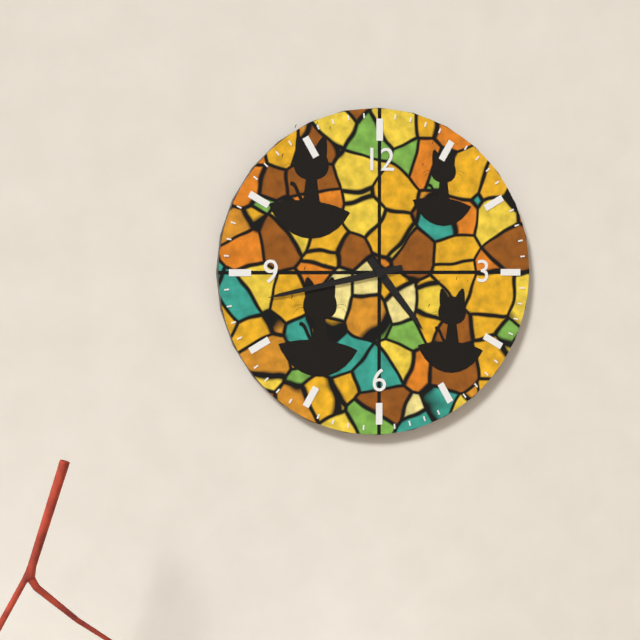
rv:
4h43
